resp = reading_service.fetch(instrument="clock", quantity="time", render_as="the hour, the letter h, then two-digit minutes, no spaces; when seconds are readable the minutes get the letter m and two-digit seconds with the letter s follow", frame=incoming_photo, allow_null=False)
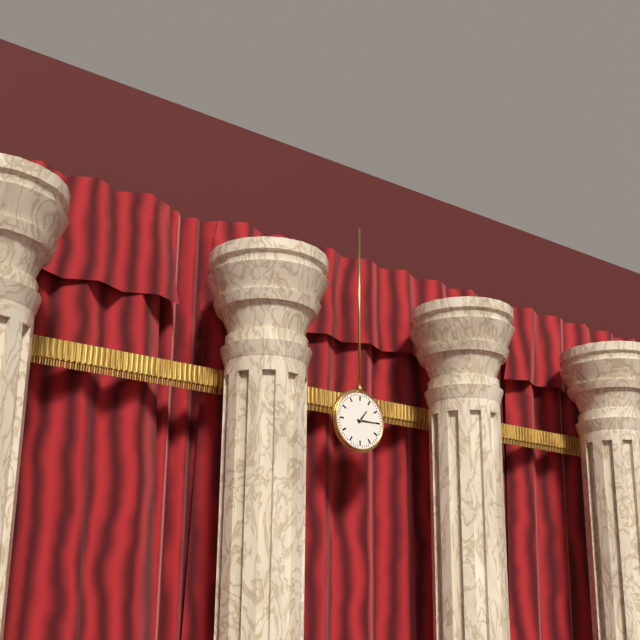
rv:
1h15
